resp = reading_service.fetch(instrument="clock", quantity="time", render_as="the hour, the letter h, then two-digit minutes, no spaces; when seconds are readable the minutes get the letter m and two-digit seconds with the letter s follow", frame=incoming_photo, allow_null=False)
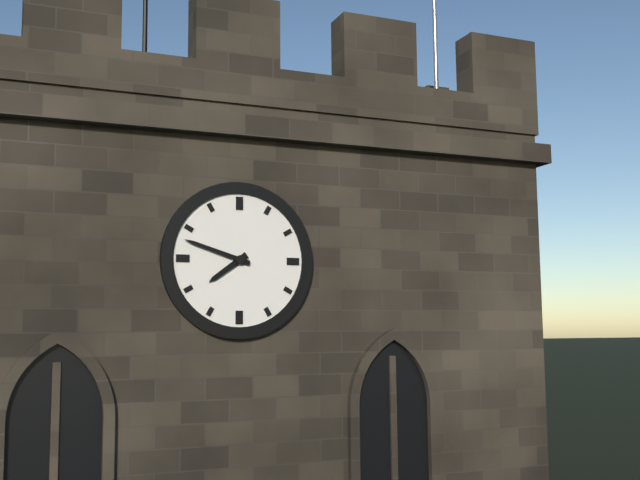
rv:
7h48
